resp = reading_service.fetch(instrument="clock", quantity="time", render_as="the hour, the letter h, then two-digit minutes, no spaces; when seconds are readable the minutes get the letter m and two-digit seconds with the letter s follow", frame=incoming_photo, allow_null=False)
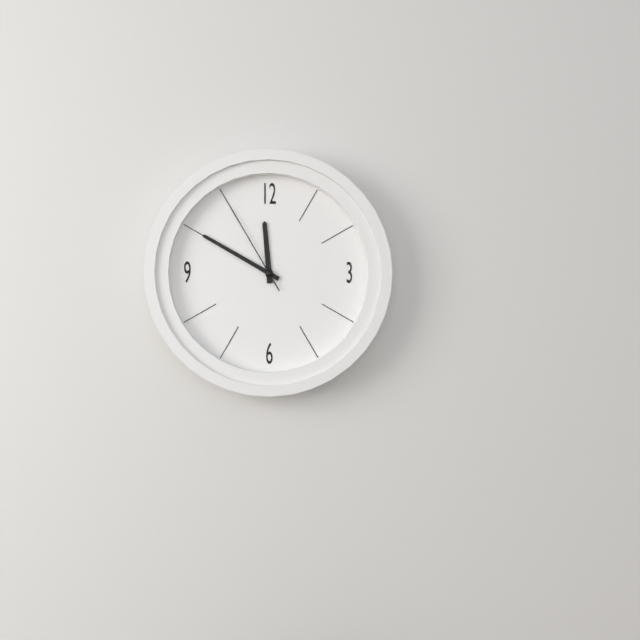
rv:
11h50m55s
